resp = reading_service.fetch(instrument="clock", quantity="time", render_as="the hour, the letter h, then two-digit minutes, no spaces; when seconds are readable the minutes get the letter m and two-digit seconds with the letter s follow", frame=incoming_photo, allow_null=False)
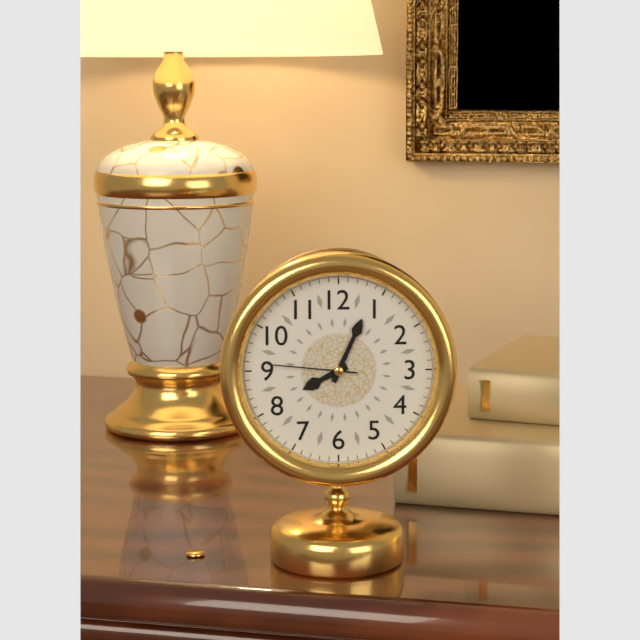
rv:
8h04m46s
